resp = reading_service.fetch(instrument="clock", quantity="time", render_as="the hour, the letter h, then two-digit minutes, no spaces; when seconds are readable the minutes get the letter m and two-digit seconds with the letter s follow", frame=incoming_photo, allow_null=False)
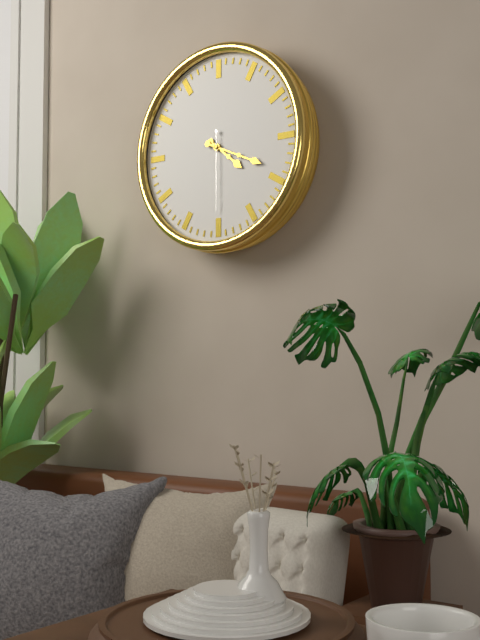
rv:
4h19m30s
